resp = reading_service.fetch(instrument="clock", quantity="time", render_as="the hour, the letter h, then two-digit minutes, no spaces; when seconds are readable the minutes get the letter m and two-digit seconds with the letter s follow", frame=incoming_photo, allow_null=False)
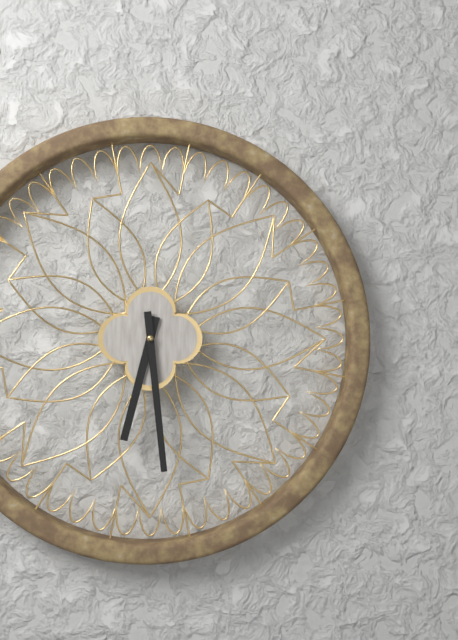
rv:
6h29
